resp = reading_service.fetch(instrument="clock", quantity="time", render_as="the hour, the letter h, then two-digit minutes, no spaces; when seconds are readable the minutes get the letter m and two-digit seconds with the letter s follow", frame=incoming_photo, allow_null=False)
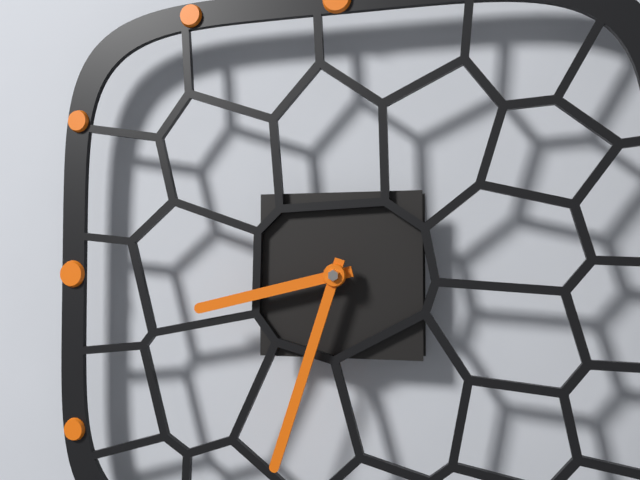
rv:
8h33
